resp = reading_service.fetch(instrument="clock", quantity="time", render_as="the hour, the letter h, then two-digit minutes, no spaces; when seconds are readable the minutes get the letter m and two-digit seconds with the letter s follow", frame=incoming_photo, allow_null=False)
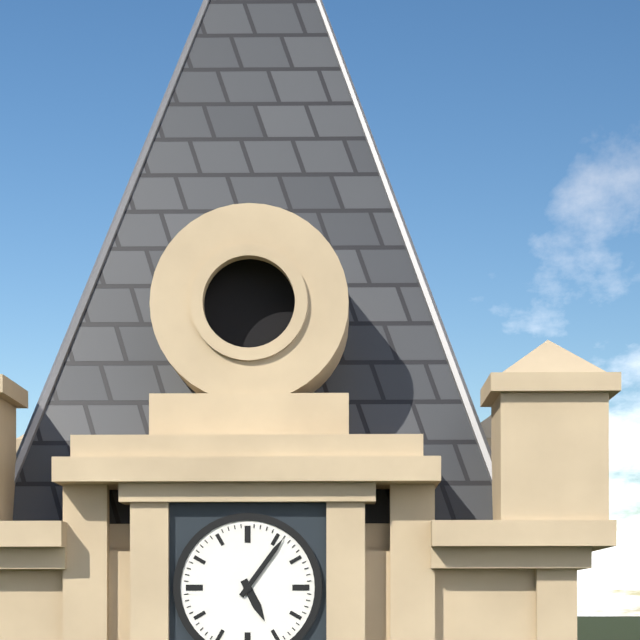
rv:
5h06
